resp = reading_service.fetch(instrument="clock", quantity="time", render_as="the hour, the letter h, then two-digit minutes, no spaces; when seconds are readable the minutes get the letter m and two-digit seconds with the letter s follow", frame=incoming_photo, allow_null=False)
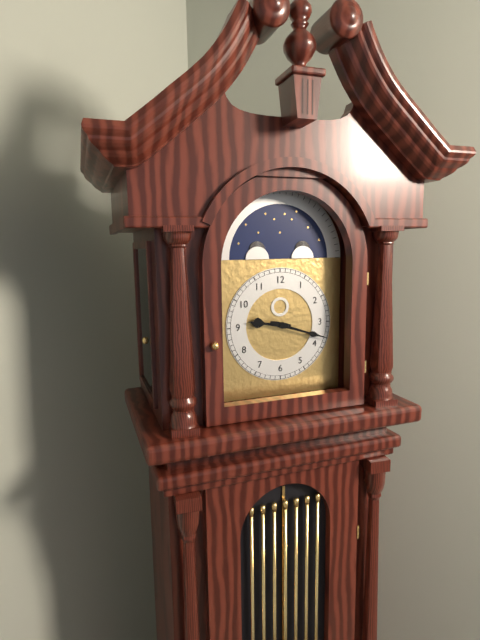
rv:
9h18
